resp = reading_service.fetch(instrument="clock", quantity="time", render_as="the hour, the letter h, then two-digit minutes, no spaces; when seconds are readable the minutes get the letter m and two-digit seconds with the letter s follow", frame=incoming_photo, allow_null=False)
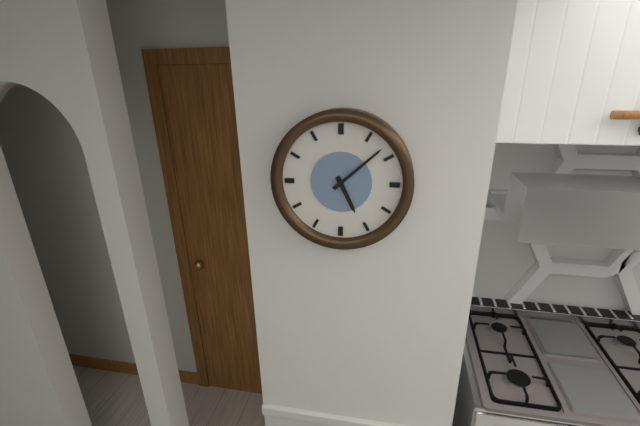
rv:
5h08
